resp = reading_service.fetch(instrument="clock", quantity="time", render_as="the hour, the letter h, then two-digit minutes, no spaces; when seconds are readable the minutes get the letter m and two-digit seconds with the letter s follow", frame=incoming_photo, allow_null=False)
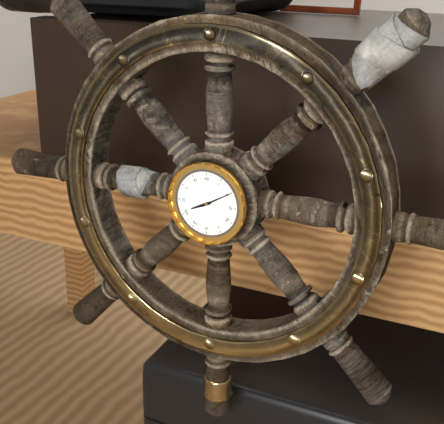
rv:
8h10
